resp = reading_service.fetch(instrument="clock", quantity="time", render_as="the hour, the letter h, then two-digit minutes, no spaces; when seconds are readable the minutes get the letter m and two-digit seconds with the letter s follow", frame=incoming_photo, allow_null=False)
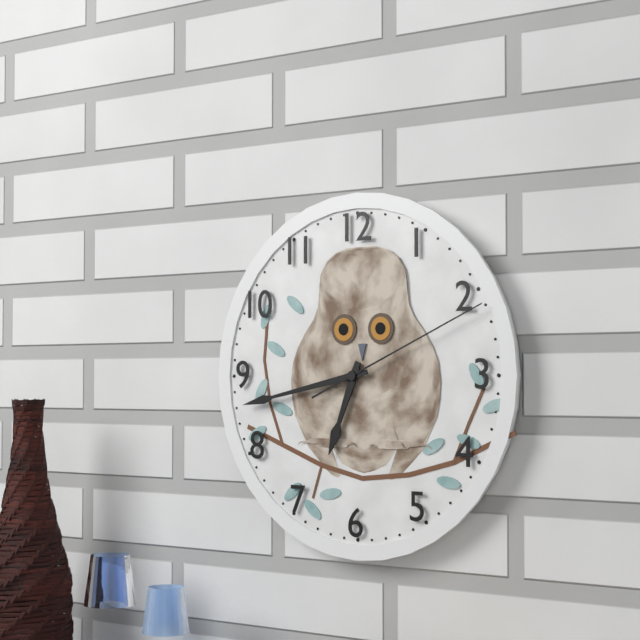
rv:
6h43m11s
